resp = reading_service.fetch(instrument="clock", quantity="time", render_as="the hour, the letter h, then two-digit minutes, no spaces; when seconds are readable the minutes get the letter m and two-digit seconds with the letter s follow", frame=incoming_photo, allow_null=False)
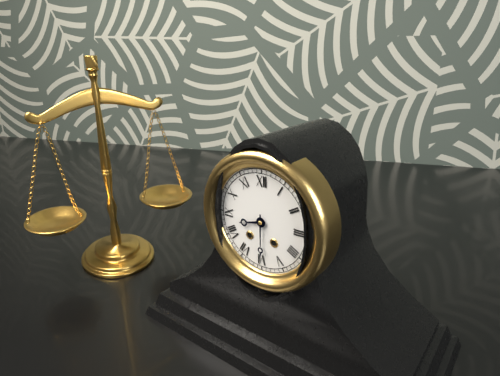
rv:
8h30
